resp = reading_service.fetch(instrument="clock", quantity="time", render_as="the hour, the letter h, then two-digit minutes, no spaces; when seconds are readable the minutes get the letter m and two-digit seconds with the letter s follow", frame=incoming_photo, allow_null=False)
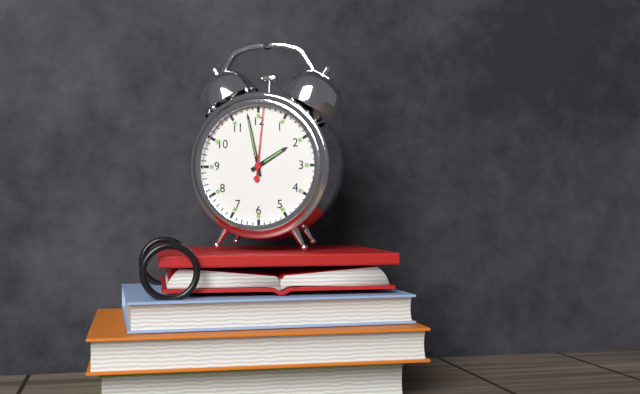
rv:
1h58m01s
